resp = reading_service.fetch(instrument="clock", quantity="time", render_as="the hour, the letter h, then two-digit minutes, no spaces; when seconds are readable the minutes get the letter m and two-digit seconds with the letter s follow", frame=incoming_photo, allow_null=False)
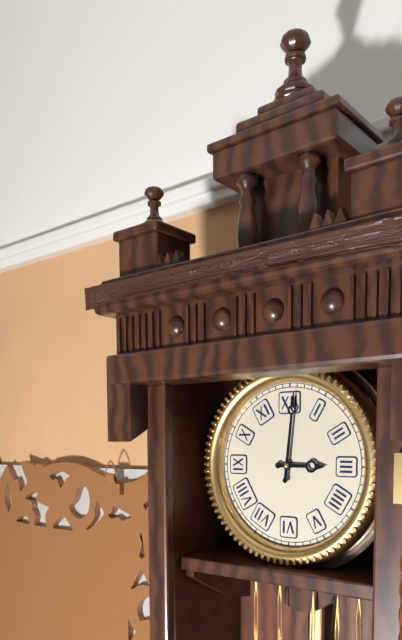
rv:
3h01
